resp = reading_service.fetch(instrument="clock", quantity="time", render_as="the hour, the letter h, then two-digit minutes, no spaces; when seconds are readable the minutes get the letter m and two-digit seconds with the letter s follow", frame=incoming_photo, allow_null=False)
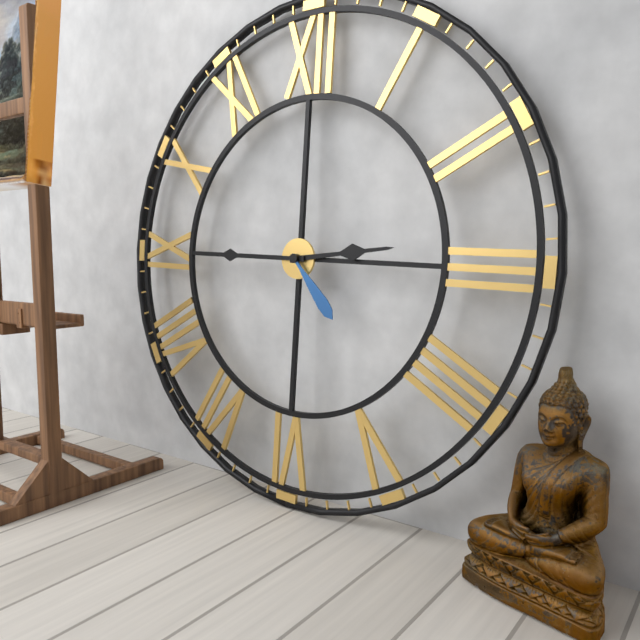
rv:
2h45m23s
